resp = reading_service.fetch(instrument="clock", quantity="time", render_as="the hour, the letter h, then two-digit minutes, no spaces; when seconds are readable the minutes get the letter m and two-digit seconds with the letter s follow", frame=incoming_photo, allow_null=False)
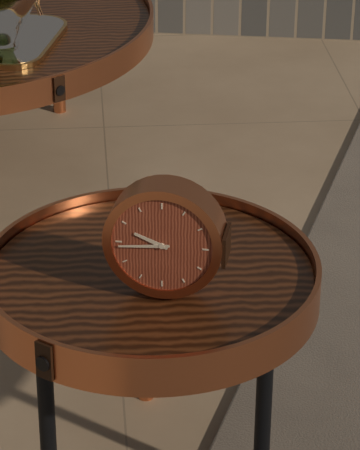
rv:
9h44
